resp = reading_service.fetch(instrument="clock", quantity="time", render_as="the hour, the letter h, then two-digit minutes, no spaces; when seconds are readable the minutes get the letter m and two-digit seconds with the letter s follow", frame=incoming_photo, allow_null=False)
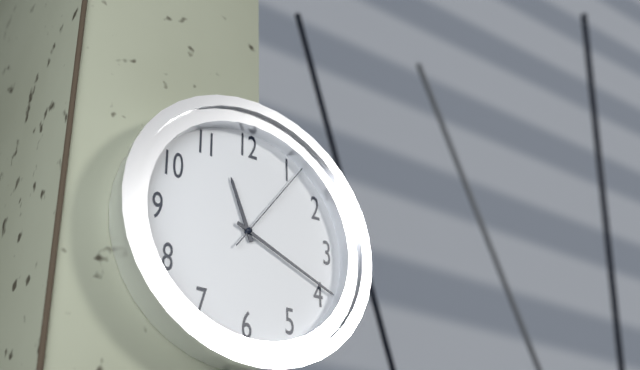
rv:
11h19m06s
